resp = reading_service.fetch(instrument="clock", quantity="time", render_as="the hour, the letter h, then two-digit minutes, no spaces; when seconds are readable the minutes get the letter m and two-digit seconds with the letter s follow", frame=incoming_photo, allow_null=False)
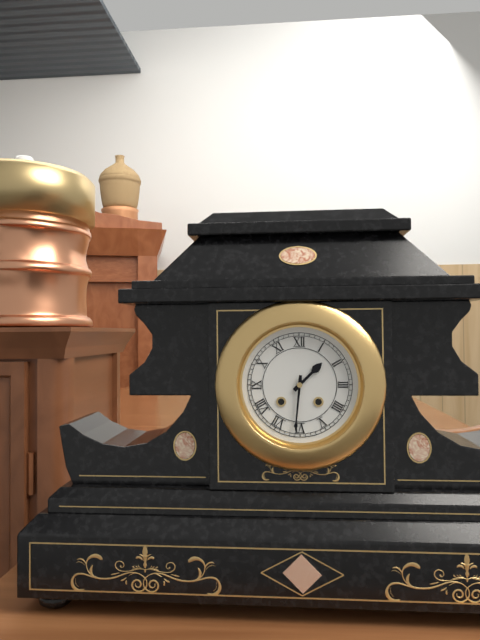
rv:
1h31
